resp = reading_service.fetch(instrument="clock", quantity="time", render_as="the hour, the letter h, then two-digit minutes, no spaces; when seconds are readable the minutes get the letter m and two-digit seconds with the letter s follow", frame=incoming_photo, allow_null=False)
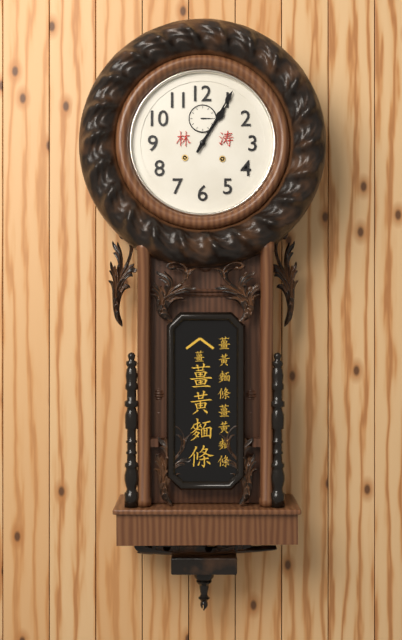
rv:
1h05
